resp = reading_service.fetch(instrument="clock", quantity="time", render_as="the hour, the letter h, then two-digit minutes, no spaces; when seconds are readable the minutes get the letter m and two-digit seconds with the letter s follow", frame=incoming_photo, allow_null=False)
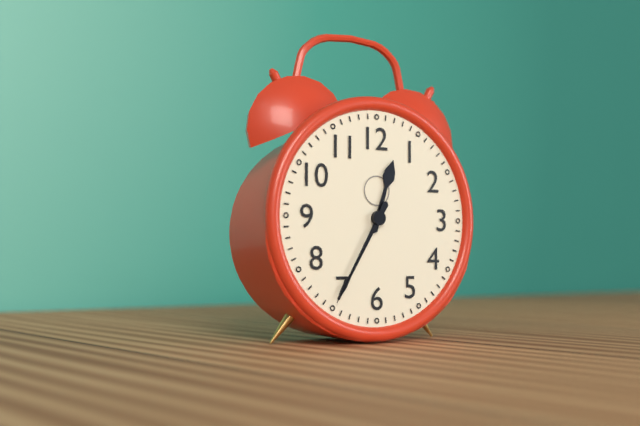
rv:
12h35
